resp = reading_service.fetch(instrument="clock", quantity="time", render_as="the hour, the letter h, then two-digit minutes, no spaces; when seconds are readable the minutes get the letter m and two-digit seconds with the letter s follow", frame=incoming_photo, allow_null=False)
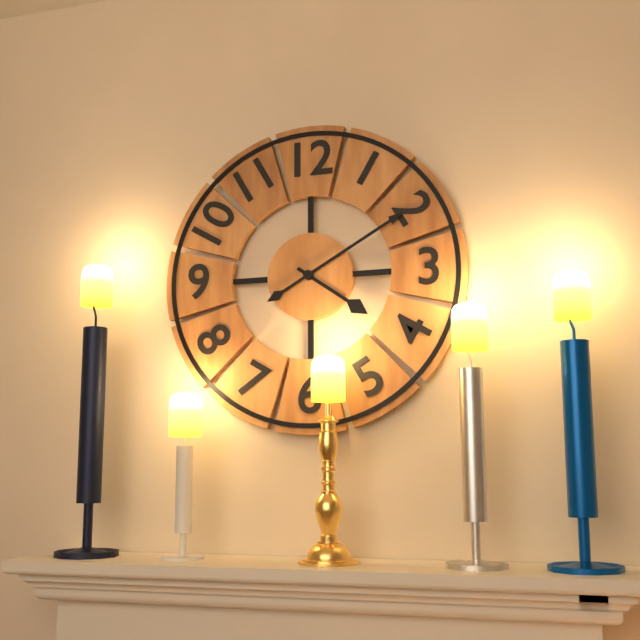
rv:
4h10
